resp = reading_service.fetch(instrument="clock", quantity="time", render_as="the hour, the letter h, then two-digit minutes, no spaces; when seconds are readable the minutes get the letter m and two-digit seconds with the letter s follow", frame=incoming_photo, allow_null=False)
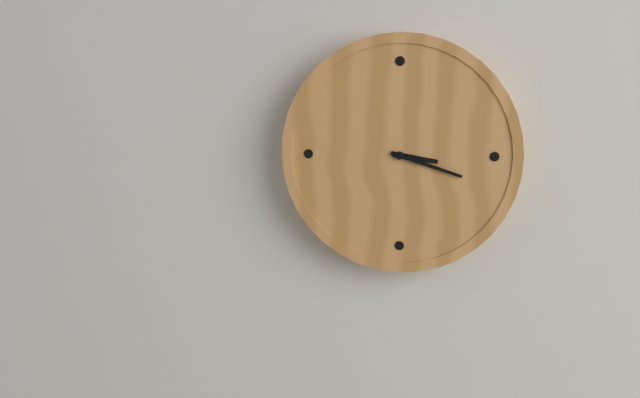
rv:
3h18
